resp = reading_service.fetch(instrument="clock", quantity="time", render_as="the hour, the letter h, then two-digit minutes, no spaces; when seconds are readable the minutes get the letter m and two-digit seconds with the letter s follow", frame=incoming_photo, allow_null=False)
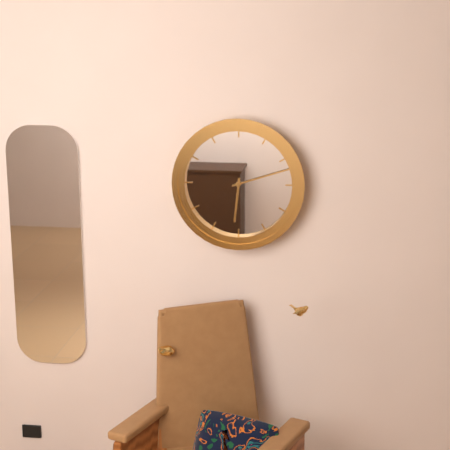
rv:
6h12
